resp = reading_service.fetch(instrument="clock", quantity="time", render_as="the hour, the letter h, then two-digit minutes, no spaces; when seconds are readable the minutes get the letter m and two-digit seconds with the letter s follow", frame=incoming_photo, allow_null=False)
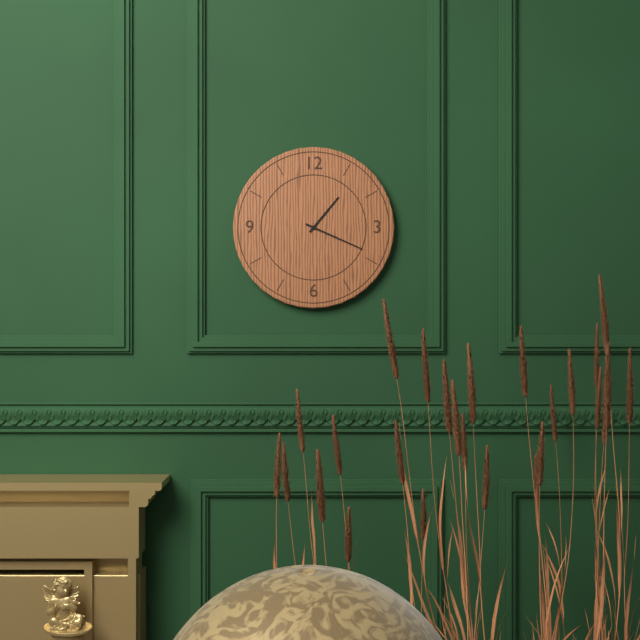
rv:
1h19
